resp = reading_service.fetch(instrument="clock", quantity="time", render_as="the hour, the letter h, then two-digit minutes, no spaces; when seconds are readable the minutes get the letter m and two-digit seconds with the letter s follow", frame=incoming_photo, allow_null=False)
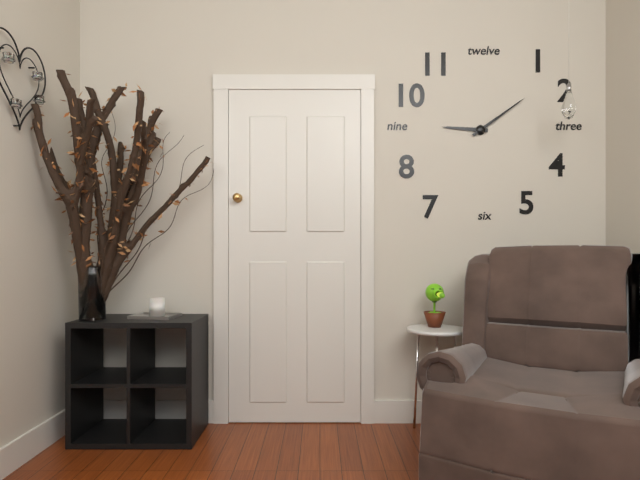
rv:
9h09
